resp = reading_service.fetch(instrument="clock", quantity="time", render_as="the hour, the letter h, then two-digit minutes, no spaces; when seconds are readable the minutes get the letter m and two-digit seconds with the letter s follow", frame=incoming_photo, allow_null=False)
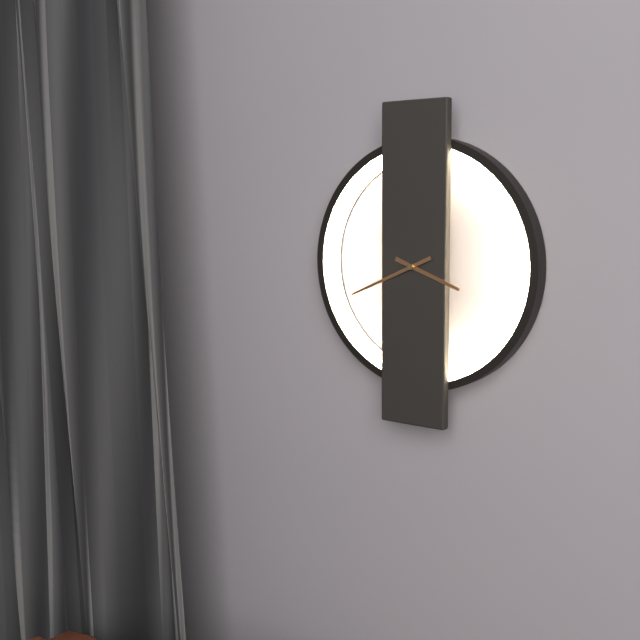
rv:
3h41
